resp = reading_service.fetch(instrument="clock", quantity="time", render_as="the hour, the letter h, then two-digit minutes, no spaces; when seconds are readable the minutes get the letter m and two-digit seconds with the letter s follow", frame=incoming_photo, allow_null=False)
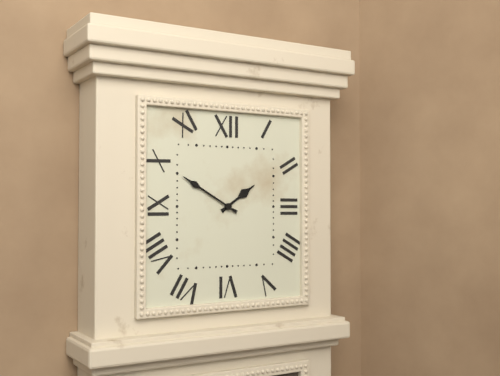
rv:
1h50
